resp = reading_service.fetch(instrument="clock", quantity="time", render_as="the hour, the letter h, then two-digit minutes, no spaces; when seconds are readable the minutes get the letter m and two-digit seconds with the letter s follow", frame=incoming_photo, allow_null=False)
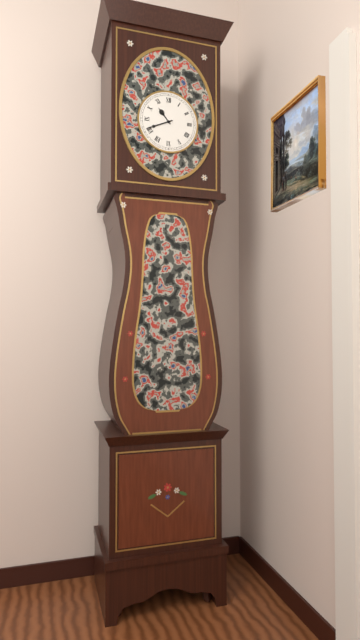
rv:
10h41
